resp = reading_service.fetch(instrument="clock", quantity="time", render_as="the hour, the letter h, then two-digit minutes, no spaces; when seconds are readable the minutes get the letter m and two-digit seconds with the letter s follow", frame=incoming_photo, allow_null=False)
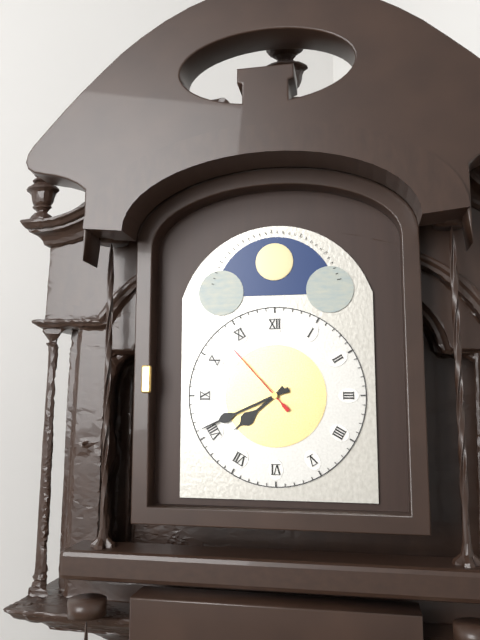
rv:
7h41m53s
